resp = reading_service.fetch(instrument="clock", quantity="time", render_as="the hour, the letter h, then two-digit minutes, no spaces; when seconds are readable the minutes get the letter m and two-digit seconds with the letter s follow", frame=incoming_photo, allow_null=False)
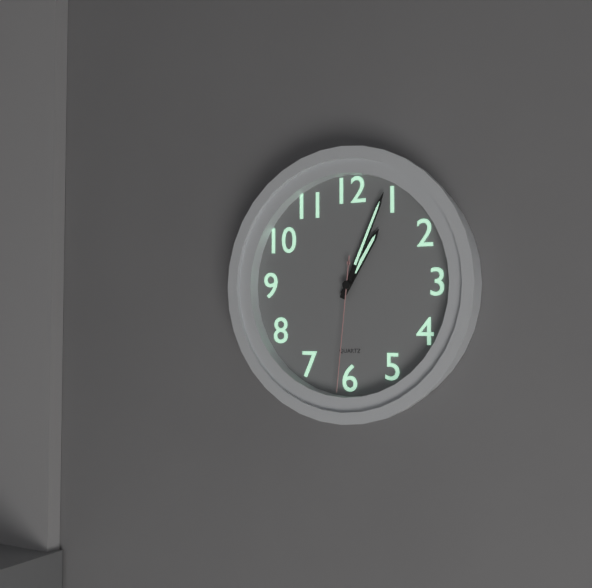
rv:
1h04m31s
